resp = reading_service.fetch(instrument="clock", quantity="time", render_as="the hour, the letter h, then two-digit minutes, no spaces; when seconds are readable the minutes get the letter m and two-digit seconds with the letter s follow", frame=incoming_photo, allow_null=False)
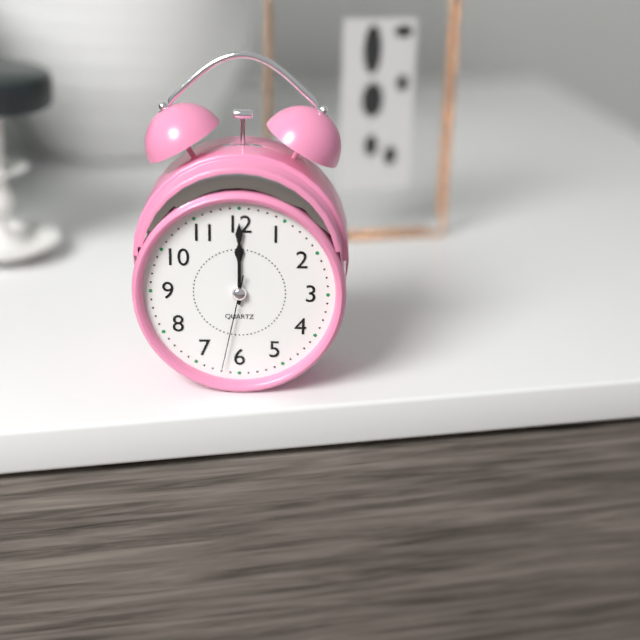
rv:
12h00m32s
